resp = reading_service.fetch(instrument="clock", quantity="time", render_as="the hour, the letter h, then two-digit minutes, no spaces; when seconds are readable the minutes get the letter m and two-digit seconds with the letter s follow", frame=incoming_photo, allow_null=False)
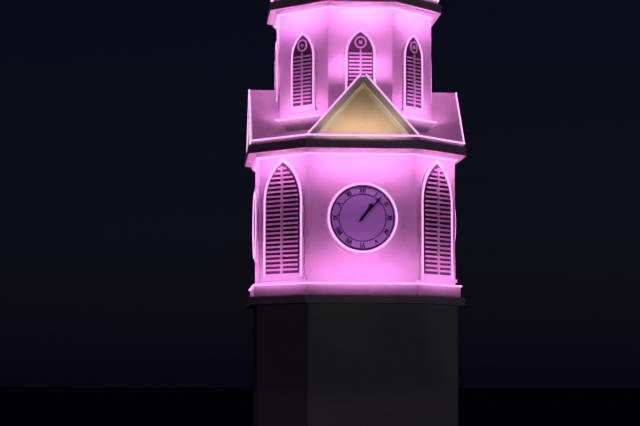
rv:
1h07
